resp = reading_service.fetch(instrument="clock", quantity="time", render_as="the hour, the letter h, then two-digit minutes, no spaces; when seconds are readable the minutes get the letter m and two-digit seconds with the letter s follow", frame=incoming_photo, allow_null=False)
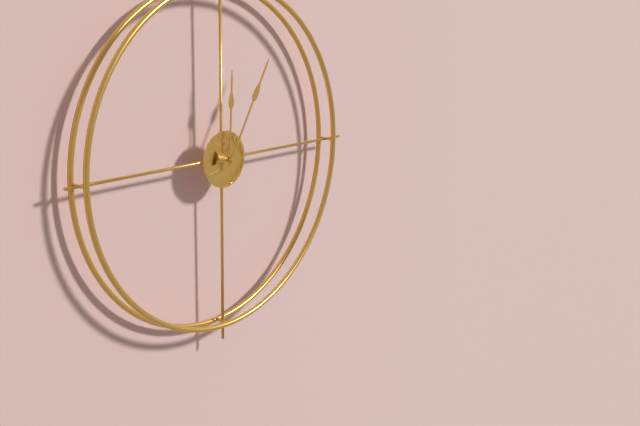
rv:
12h05
